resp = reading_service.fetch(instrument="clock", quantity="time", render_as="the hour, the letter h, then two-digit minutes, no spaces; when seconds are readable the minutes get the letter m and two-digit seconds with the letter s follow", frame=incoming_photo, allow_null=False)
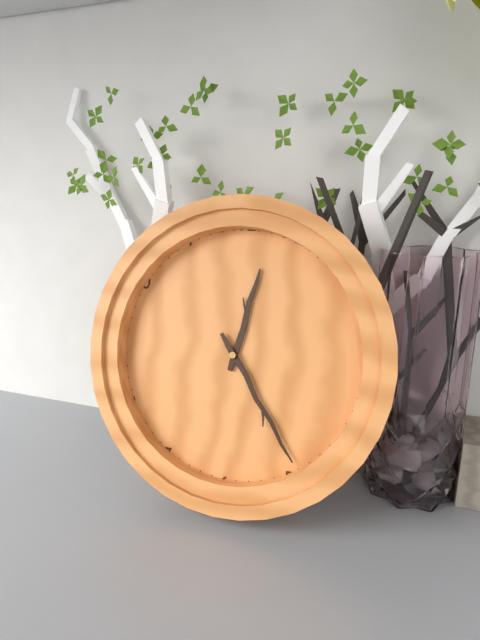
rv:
12h24
